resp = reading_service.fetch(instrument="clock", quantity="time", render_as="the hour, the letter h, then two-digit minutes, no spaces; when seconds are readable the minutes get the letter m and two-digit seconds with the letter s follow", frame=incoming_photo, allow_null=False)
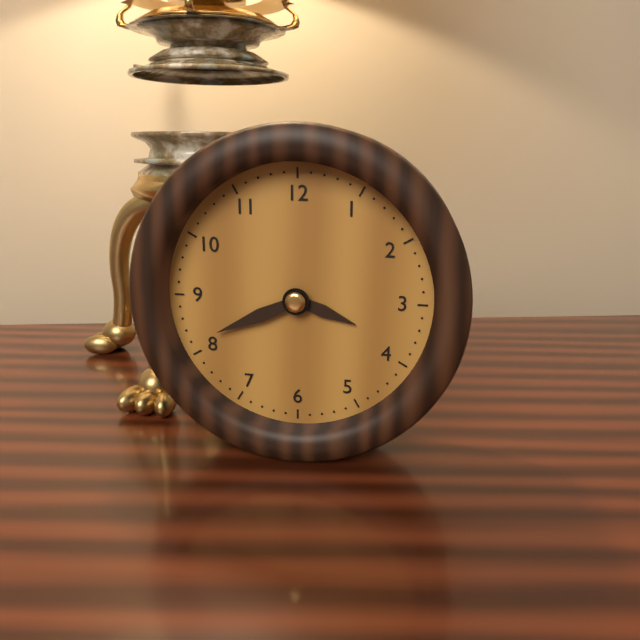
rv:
3h41
